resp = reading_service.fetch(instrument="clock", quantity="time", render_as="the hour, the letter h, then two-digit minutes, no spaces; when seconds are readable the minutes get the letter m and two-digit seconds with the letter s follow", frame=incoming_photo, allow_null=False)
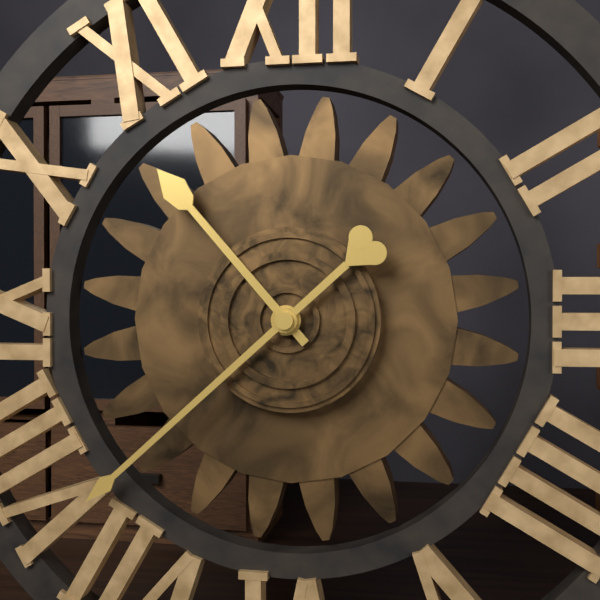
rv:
10h38
